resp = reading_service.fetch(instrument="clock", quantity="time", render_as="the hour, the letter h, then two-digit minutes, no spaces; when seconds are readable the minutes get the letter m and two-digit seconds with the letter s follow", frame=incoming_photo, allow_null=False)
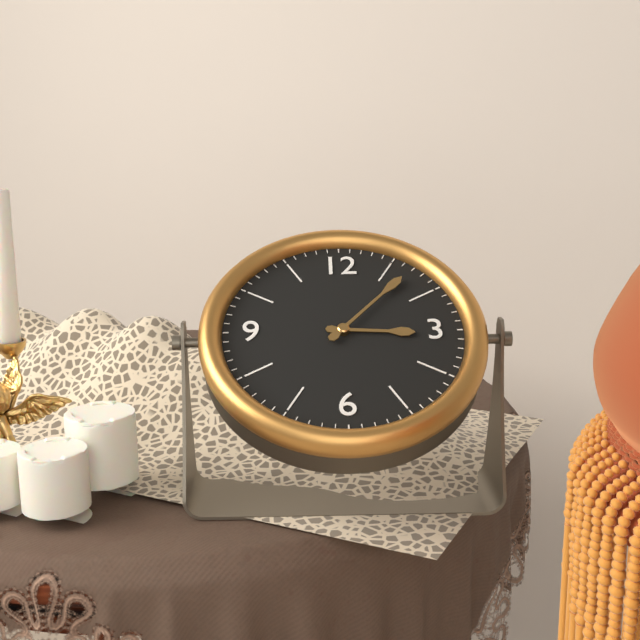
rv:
3h07
